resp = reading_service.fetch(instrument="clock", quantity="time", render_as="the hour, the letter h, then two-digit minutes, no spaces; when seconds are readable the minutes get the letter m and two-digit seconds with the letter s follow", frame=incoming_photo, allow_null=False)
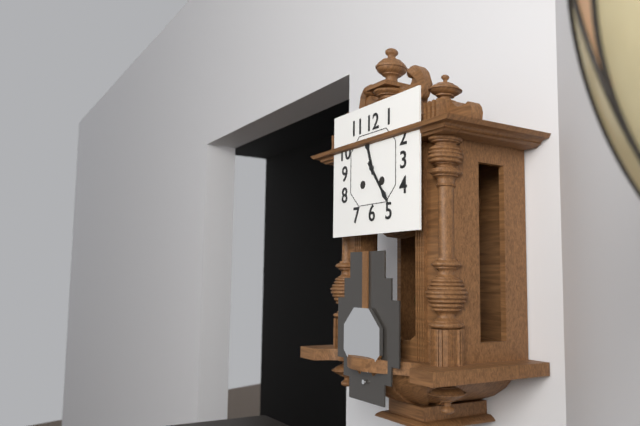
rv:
11h24
